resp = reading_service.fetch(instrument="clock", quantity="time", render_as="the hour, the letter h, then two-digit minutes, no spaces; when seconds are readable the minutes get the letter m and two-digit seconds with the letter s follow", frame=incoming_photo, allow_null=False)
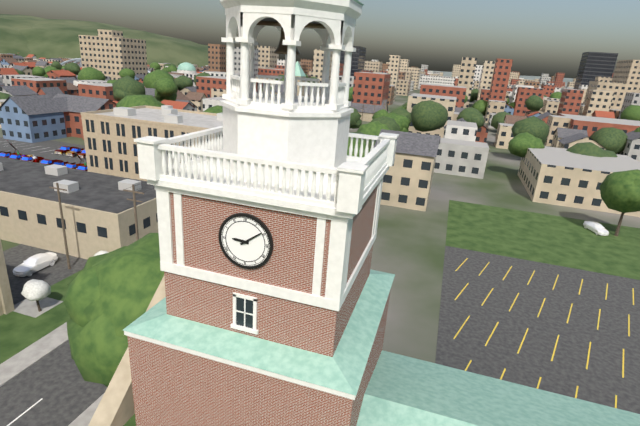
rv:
9h09
